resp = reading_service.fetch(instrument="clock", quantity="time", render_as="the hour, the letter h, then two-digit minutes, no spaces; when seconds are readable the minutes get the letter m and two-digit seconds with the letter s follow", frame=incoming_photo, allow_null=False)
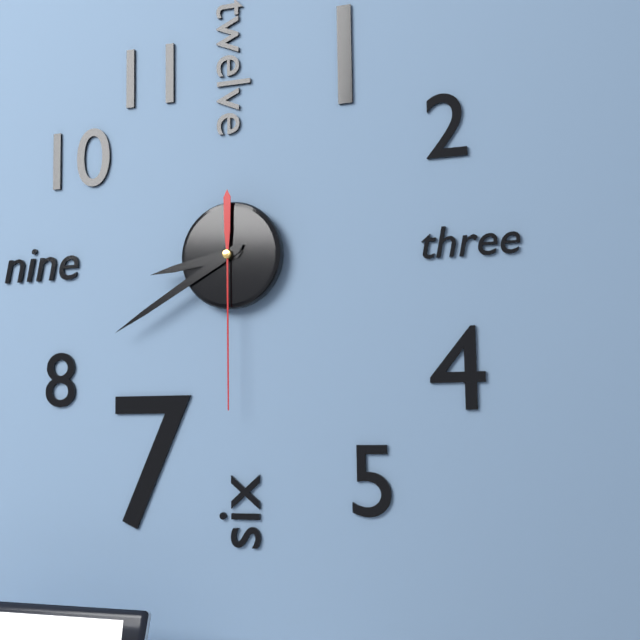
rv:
8h40m30s
